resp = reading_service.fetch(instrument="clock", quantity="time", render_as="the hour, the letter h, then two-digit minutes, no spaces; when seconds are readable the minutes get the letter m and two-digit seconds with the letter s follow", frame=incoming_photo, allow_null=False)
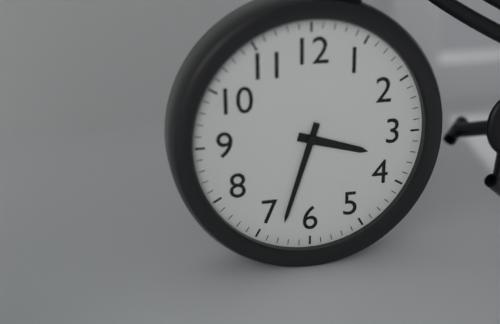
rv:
3h33
